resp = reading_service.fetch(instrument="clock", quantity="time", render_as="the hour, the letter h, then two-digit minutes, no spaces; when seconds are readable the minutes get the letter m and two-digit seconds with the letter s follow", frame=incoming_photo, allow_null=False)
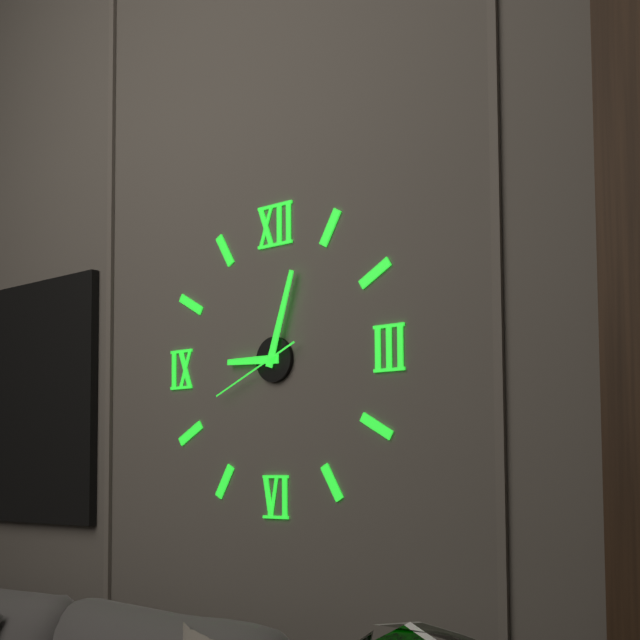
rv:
9h03m41s
